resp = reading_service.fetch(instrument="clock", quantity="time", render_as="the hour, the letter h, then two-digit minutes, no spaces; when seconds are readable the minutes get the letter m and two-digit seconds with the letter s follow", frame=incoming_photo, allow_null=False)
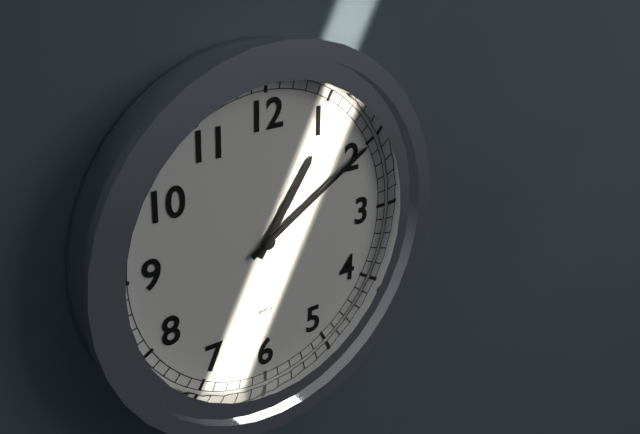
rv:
1h10
